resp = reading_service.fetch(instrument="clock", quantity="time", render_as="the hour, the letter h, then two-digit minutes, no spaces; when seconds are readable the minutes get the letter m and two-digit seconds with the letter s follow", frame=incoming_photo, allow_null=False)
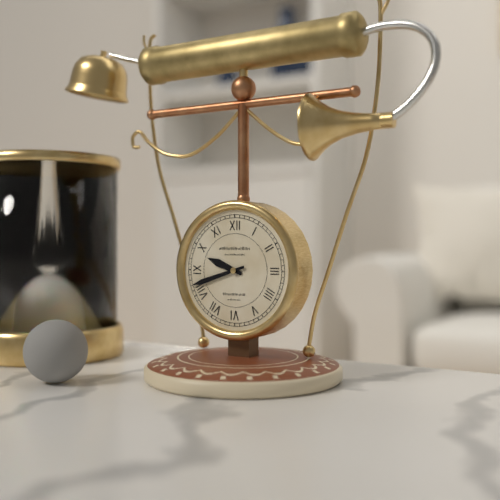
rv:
9h42
